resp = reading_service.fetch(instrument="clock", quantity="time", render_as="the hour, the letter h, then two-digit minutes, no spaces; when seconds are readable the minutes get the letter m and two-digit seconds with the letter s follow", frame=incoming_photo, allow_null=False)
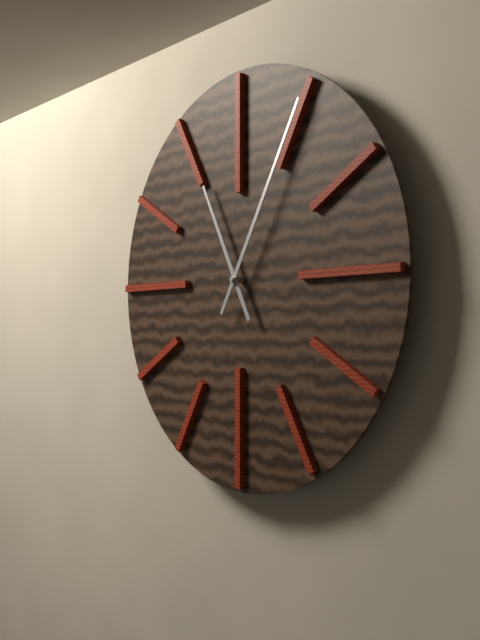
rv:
11h05
